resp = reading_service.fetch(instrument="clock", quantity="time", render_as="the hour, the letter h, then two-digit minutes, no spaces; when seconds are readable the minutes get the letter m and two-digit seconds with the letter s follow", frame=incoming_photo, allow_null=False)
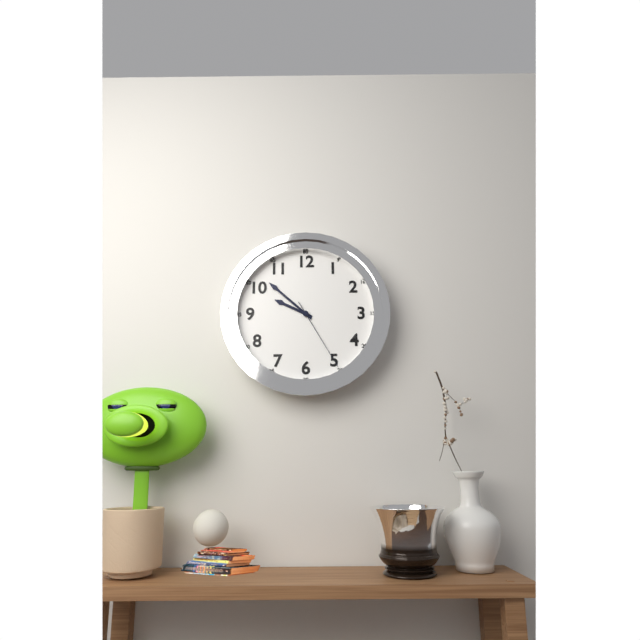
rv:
9h52m25s
